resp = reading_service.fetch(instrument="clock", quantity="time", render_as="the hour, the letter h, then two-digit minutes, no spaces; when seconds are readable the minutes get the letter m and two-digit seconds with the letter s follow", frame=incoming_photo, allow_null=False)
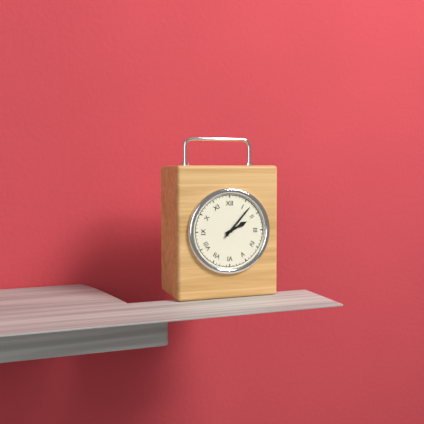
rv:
2h07
